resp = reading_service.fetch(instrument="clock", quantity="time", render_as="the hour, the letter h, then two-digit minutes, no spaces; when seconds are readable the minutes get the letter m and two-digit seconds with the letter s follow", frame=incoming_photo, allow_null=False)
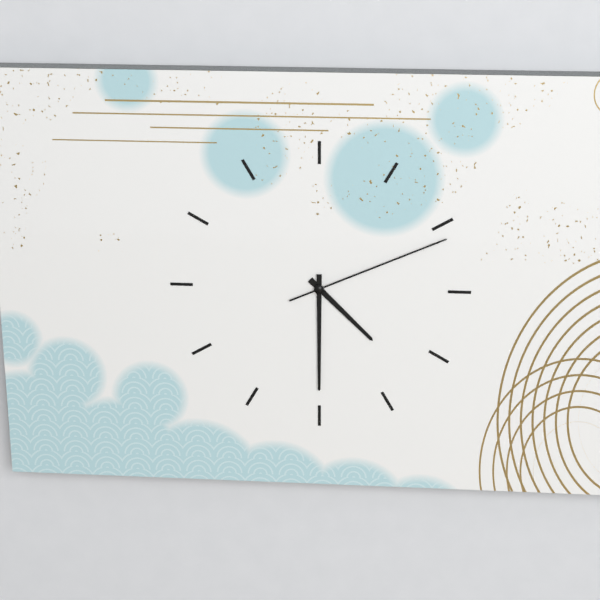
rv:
4h30m11s
